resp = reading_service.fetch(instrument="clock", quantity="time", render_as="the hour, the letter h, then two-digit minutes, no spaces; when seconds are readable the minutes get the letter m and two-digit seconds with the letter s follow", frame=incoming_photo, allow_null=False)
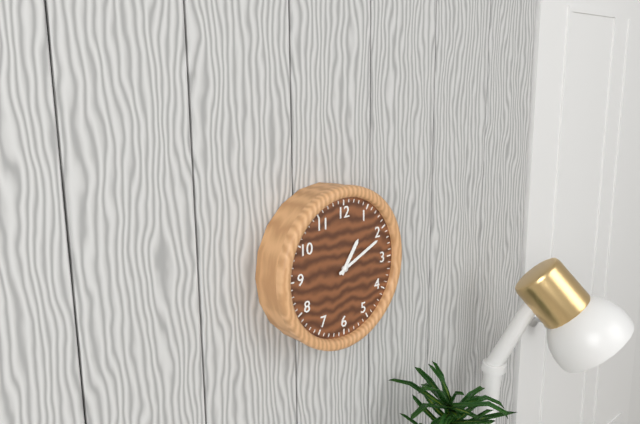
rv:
1h11
